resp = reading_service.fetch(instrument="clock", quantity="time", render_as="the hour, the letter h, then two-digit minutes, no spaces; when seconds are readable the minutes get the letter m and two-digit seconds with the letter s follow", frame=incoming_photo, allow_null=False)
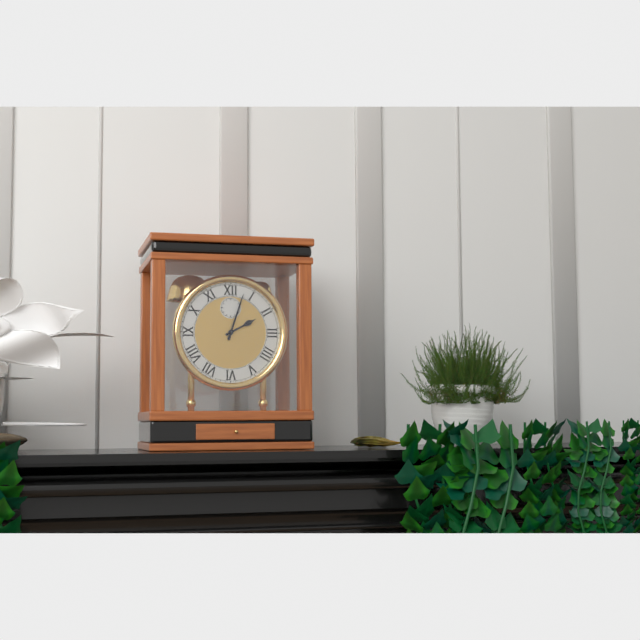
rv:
2h03
